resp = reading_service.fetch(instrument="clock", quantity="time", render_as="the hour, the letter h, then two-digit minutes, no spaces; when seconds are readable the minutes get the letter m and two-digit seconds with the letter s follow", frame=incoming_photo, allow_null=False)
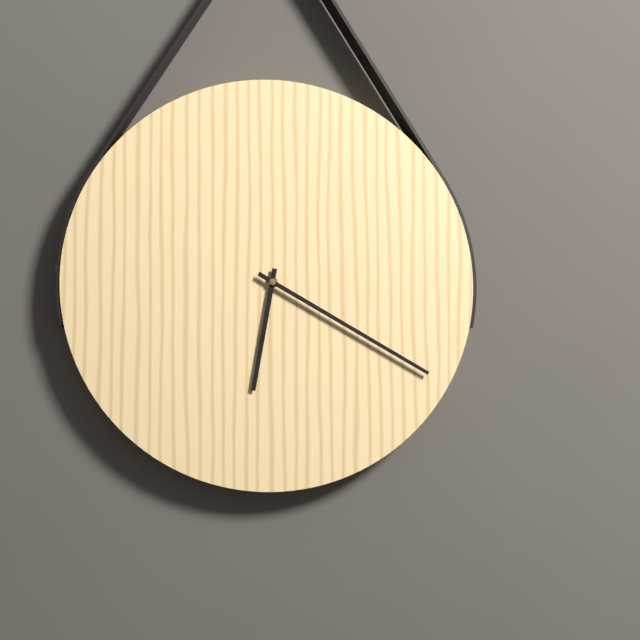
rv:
6h20
